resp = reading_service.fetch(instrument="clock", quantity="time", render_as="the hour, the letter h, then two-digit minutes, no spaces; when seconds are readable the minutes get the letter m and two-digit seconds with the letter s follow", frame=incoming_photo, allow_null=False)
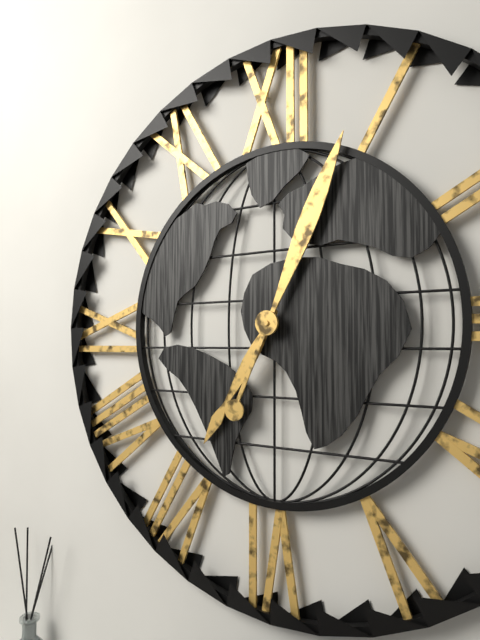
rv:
7h04
